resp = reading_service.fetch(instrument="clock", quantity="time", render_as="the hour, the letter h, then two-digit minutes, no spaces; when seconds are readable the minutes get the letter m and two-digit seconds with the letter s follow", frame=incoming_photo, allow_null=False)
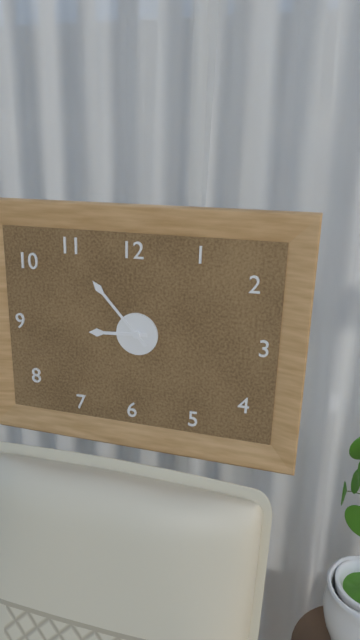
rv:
8h53
